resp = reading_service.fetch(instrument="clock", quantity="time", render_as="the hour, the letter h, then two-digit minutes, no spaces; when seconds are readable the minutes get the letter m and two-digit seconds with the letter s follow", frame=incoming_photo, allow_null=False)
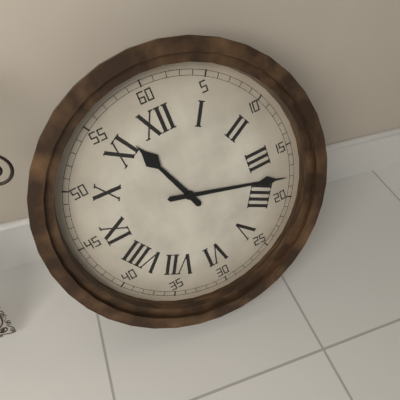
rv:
11h18
